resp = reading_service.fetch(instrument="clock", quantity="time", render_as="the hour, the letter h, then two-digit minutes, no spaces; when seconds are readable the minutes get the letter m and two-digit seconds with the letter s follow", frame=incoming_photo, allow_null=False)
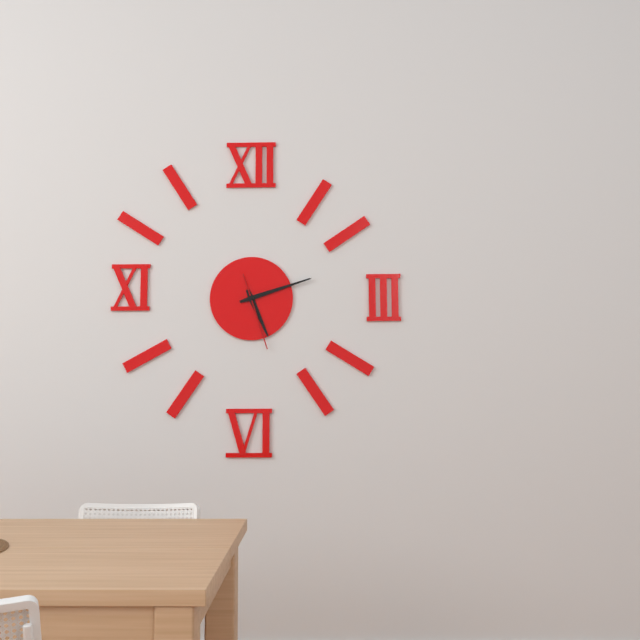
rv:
5h12m27s
